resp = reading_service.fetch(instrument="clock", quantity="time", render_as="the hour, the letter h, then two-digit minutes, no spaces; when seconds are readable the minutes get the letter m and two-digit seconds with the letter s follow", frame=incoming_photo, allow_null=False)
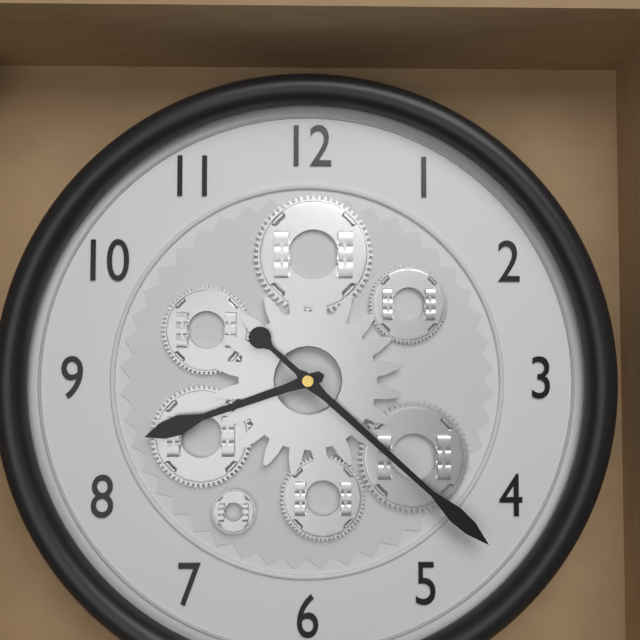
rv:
8h22
